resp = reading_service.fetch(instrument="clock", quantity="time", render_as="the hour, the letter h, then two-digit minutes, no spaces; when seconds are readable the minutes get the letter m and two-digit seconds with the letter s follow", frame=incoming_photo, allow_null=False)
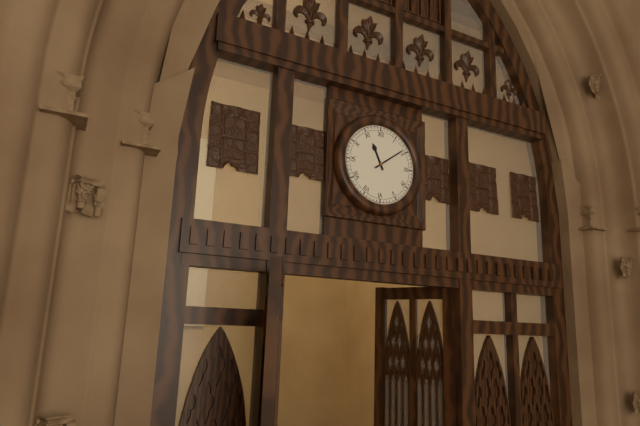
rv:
11h09
